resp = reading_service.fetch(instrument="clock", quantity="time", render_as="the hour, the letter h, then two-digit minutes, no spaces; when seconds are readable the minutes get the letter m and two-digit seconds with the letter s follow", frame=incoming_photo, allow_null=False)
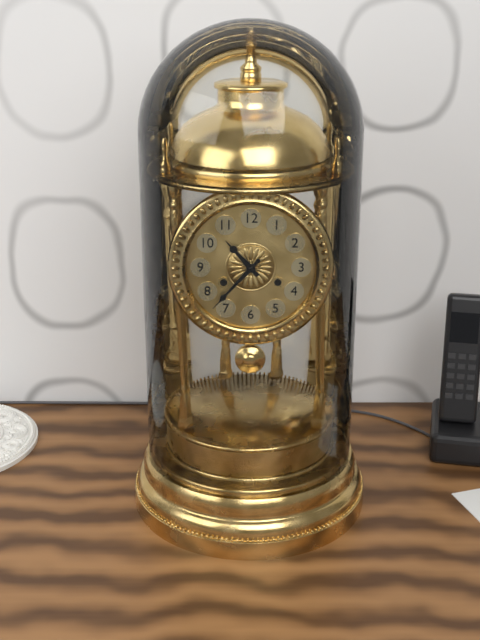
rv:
10h37
